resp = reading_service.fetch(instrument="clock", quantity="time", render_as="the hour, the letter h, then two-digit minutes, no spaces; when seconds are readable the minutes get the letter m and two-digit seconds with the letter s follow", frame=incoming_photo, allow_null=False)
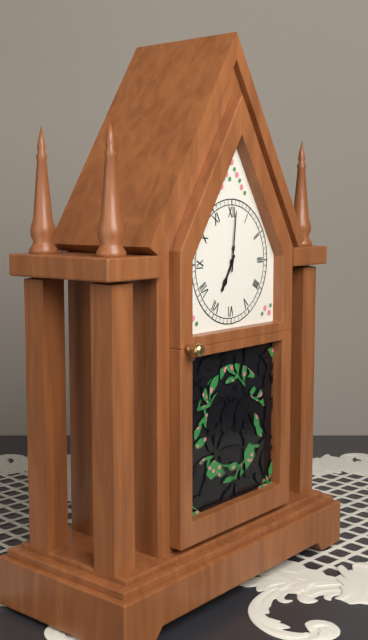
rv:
7h01
